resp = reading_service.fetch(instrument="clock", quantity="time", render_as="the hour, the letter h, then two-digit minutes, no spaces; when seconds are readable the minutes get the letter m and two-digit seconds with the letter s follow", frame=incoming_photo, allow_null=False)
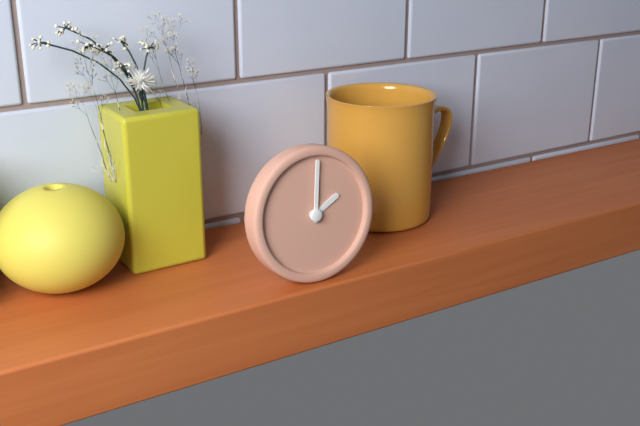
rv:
2h01
